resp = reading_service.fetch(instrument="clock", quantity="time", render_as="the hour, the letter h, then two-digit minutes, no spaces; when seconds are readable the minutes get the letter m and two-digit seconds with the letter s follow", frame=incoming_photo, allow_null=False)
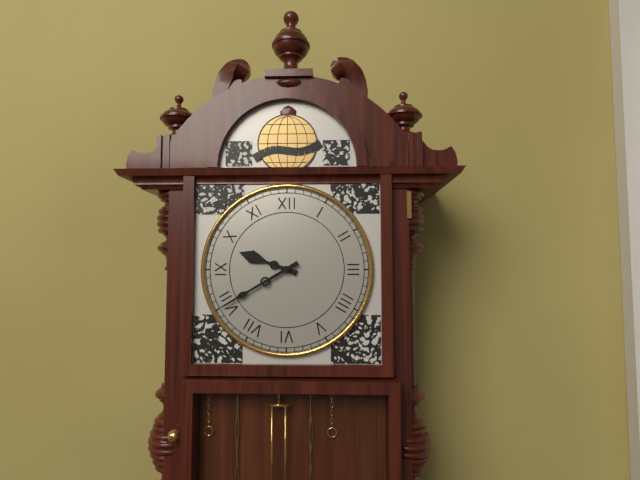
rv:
9h40
